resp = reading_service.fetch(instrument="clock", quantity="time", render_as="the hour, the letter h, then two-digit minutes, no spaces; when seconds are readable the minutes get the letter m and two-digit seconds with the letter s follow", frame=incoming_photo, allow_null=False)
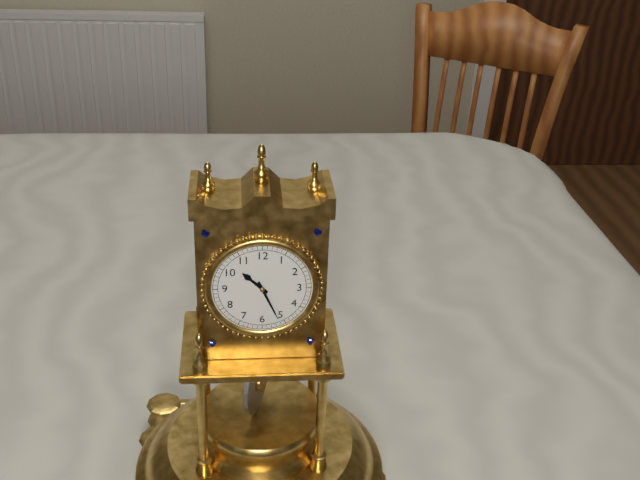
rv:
10h26
